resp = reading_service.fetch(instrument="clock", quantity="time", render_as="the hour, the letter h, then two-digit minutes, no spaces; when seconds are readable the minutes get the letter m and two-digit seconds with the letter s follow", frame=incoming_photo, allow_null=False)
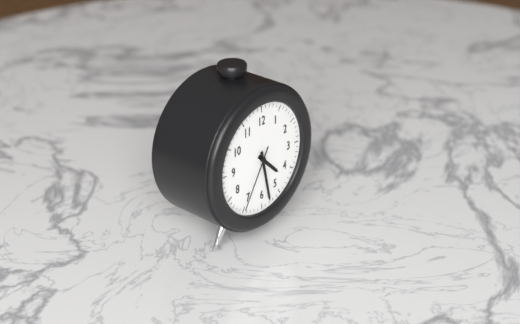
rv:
4h28m35s
